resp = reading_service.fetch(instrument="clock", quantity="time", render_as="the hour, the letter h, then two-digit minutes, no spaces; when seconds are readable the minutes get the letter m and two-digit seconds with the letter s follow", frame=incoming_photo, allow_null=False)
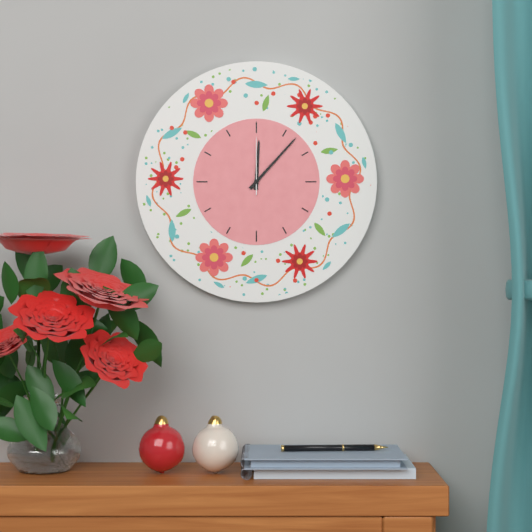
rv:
12h07m00s
